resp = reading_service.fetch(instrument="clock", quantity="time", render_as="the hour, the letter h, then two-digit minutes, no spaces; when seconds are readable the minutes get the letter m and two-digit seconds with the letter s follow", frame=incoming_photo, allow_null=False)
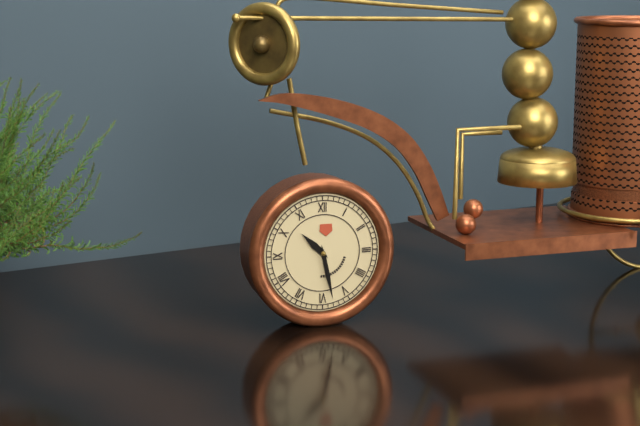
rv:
10h28
